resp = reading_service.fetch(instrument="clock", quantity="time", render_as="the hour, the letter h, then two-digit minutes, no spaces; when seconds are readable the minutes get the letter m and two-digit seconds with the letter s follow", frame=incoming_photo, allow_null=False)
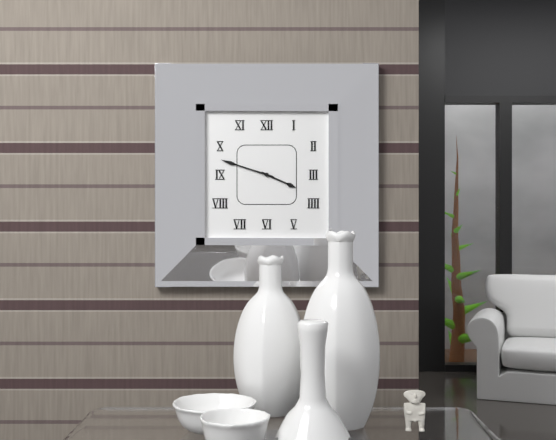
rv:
3h48
